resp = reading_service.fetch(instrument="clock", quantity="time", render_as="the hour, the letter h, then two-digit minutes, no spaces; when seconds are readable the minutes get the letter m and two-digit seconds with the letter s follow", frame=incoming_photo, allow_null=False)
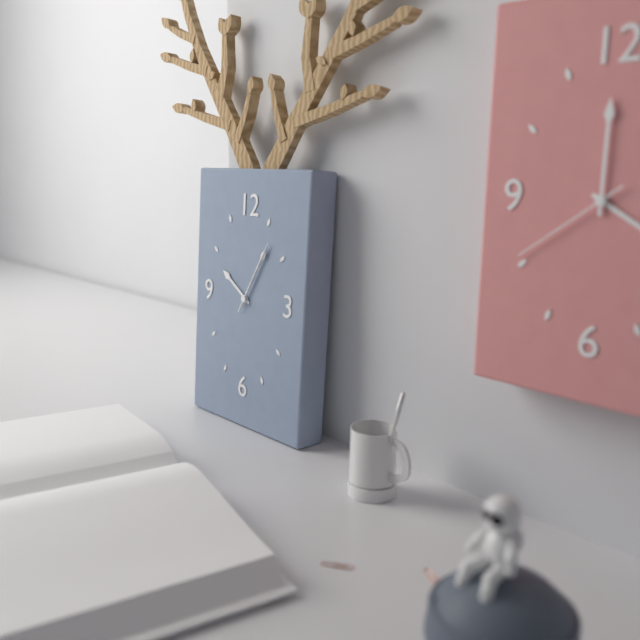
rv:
10h05m05s
